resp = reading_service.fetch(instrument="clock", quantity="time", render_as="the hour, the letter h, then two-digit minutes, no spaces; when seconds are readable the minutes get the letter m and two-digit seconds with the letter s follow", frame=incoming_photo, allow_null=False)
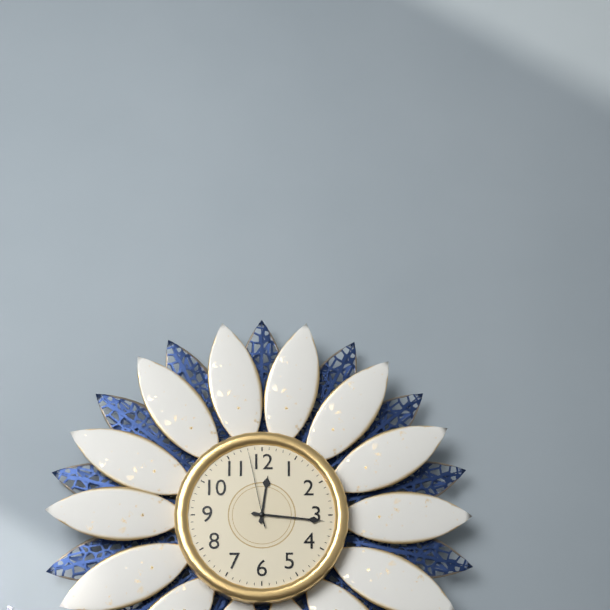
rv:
12h16m58s
